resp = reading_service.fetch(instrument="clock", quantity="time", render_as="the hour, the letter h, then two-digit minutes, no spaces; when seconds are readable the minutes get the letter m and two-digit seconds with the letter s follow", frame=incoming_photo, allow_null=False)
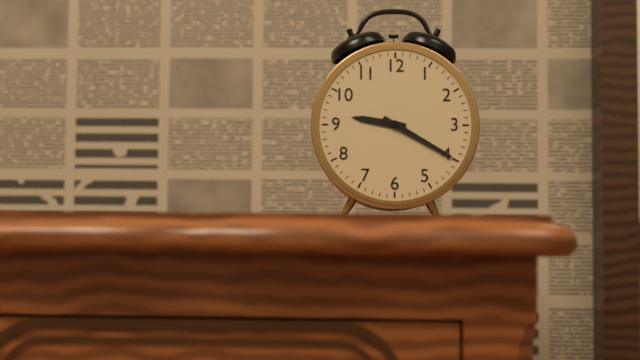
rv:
9h20
